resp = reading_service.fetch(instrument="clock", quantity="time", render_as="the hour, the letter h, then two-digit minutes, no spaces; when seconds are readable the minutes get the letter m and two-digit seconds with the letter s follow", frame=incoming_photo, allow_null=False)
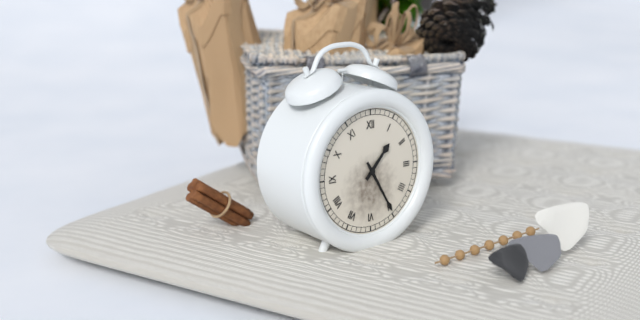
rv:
1h25
